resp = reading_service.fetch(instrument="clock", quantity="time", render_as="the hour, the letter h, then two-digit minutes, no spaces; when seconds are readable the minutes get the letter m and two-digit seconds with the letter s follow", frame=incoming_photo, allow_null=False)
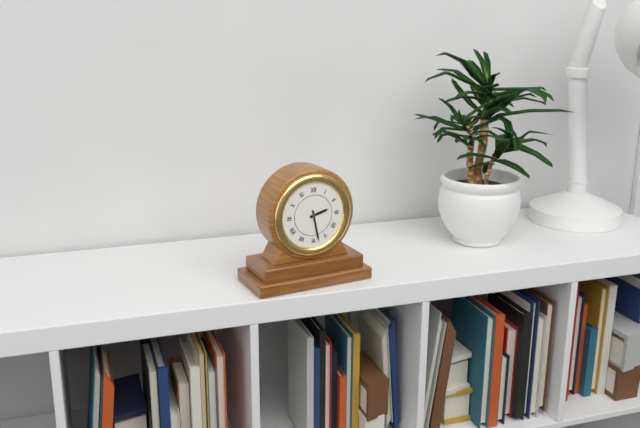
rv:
2h28
